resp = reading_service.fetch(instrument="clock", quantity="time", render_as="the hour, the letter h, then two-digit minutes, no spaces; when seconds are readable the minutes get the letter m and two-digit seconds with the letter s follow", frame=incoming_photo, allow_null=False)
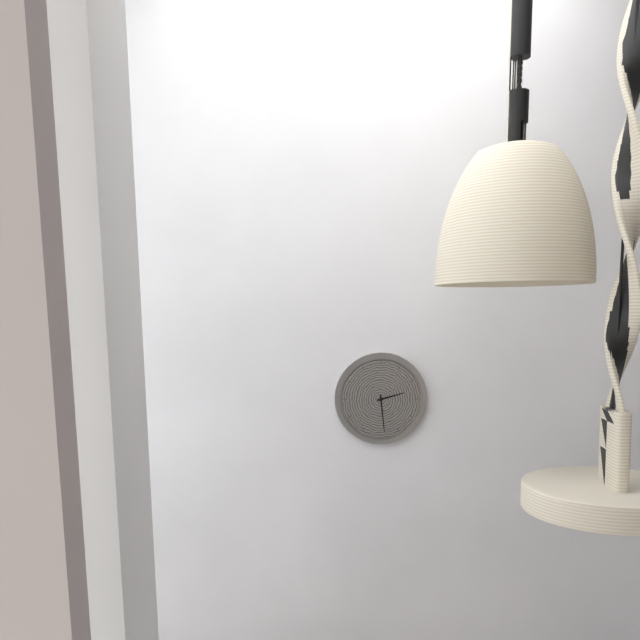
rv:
2h29
